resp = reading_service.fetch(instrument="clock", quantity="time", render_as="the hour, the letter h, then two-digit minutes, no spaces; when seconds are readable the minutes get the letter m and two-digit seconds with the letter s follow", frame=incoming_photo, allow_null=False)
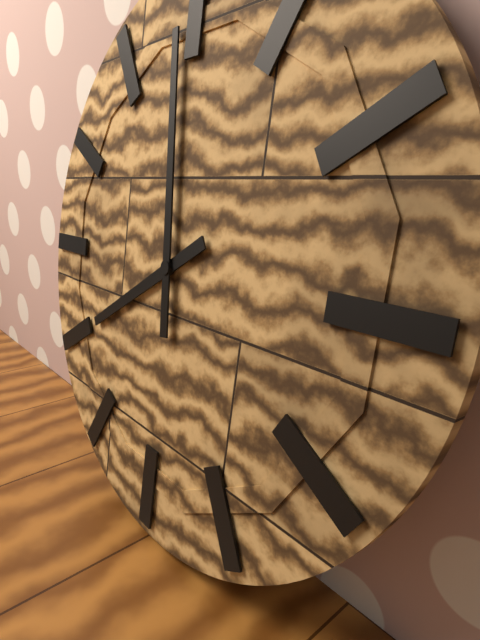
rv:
7h59
